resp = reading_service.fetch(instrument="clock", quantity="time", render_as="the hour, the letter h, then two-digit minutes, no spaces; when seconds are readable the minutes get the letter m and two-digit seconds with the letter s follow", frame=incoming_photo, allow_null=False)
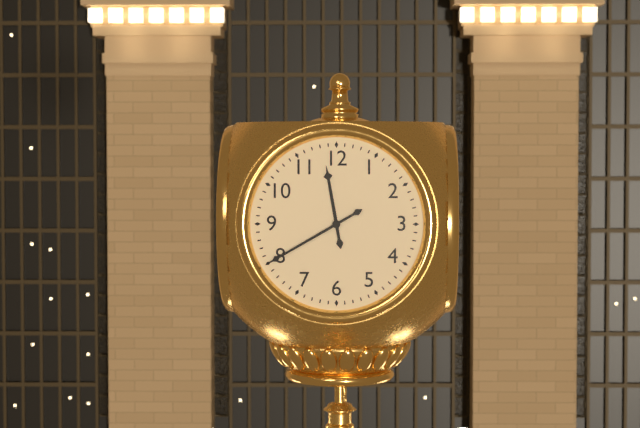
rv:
11h40
